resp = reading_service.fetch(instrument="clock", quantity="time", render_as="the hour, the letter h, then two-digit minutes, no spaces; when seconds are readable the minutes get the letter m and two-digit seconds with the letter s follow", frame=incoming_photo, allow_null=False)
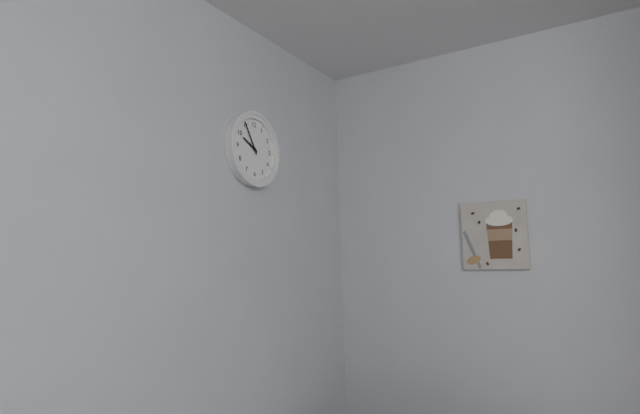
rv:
9h55
